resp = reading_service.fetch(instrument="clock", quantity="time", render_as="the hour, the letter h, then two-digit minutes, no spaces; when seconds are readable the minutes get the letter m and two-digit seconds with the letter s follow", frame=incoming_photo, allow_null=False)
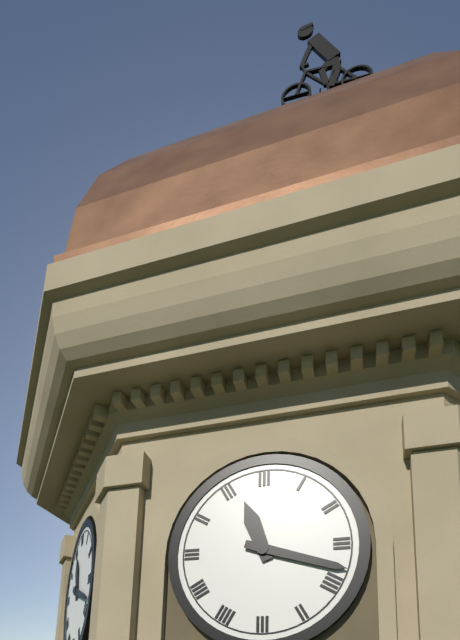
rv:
11h18
